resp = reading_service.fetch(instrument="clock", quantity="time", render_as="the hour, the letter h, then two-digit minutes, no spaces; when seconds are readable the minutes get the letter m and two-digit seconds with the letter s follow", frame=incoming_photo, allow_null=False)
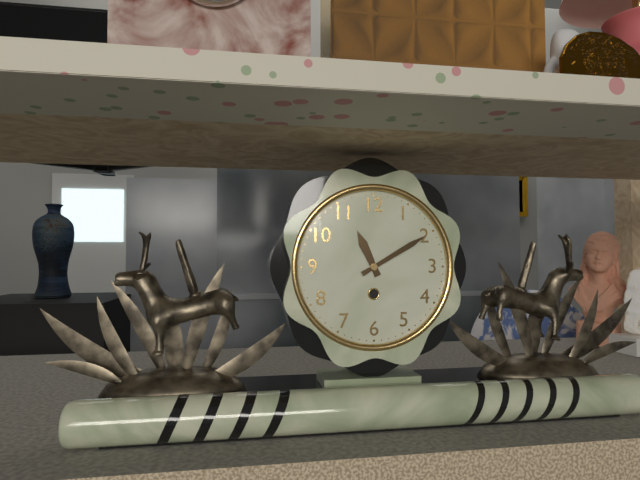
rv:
11h10
